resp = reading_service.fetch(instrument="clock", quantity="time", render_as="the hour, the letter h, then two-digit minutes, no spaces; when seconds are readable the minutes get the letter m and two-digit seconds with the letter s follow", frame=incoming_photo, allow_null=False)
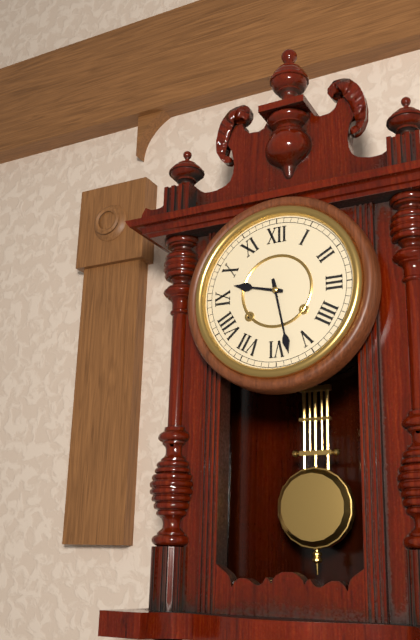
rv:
9h28
